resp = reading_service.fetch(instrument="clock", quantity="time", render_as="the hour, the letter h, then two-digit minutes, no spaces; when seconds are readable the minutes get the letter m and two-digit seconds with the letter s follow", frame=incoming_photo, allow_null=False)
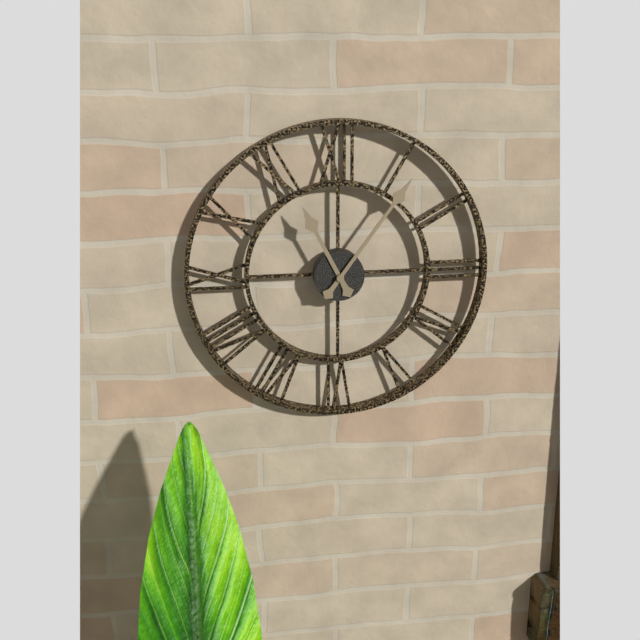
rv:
11h06
